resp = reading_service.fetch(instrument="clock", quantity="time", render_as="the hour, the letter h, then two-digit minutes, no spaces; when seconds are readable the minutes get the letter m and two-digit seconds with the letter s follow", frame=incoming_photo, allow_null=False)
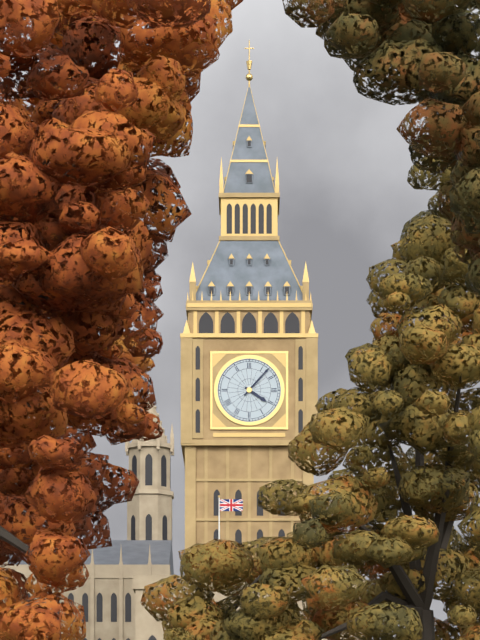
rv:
4h07
